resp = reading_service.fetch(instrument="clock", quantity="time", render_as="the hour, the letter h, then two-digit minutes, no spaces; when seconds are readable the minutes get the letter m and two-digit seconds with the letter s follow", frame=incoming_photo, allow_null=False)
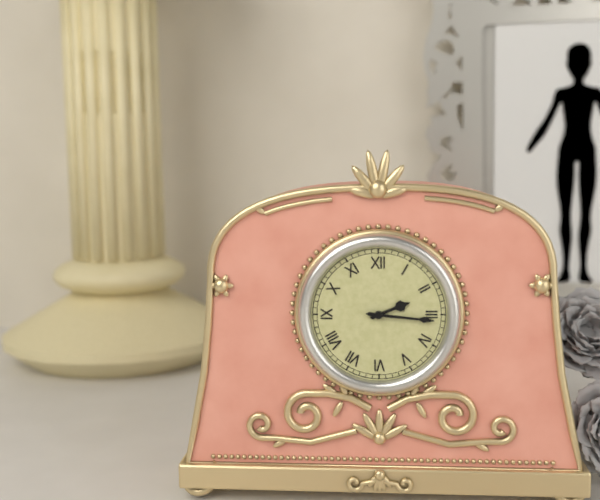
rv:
2h16
